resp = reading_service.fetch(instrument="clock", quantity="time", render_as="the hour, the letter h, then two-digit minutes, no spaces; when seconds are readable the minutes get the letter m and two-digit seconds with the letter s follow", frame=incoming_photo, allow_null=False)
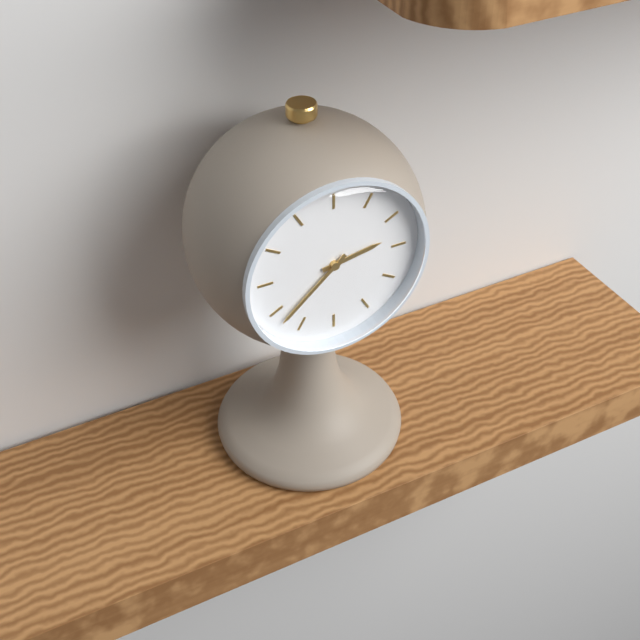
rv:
2h38
